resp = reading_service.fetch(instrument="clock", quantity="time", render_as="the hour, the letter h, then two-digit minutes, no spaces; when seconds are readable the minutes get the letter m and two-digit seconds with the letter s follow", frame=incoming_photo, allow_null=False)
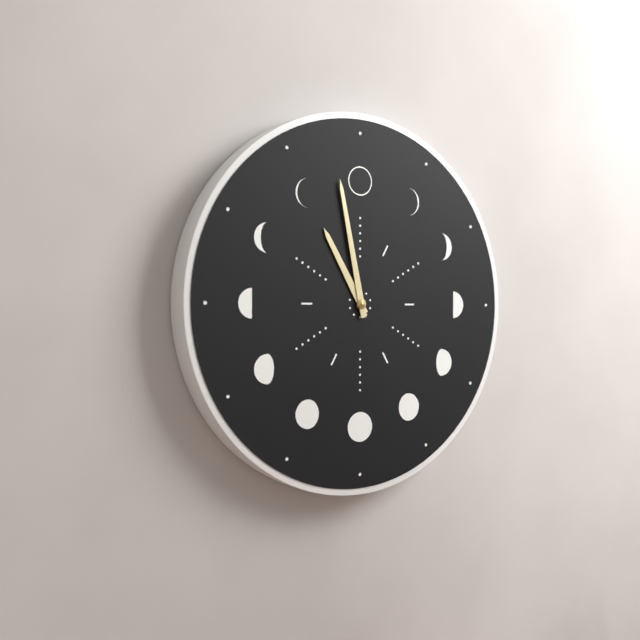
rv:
10h58
